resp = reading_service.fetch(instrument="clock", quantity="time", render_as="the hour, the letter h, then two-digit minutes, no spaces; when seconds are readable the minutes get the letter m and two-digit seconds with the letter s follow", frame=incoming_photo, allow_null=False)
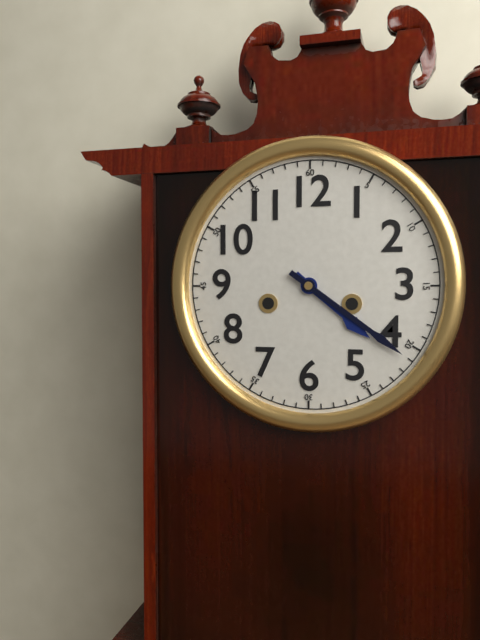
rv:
4h21
